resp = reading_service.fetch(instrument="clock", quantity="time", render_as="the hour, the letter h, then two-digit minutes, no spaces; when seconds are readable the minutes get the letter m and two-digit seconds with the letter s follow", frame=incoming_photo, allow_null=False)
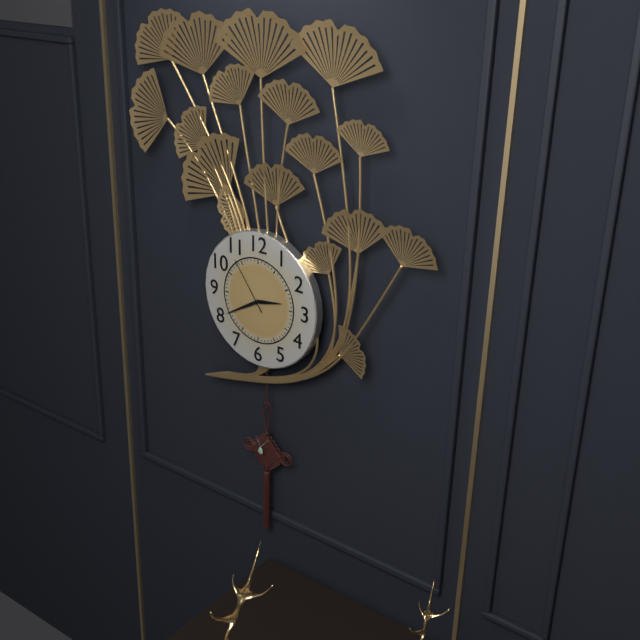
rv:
2h40m54s
